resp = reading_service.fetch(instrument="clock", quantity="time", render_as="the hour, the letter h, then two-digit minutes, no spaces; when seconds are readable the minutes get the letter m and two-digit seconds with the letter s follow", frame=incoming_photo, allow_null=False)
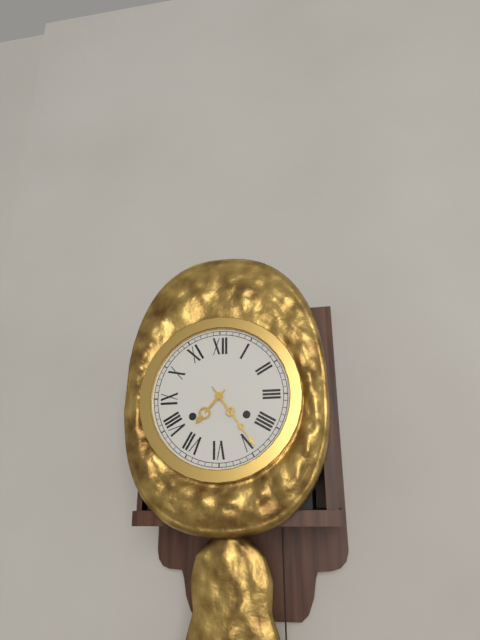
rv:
7h24
